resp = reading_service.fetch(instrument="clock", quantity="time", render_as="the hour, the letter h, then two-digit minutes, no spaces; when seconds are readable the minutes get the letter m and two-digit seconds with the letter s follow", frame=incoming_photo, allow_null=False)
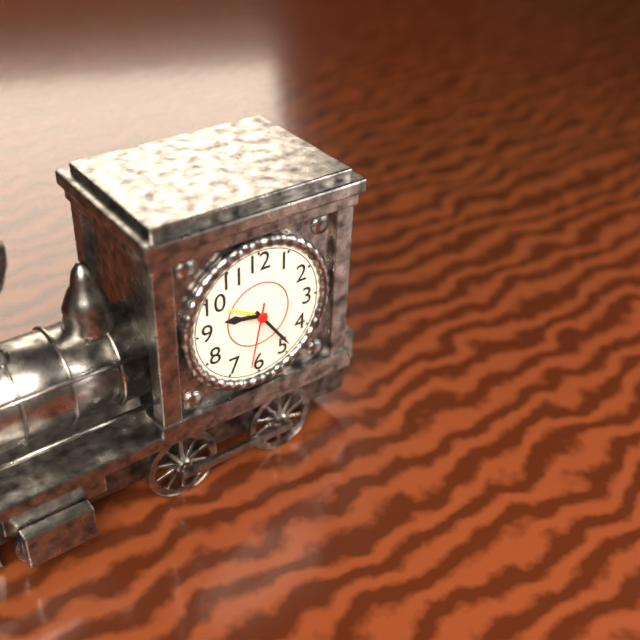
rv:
9h24m32s
